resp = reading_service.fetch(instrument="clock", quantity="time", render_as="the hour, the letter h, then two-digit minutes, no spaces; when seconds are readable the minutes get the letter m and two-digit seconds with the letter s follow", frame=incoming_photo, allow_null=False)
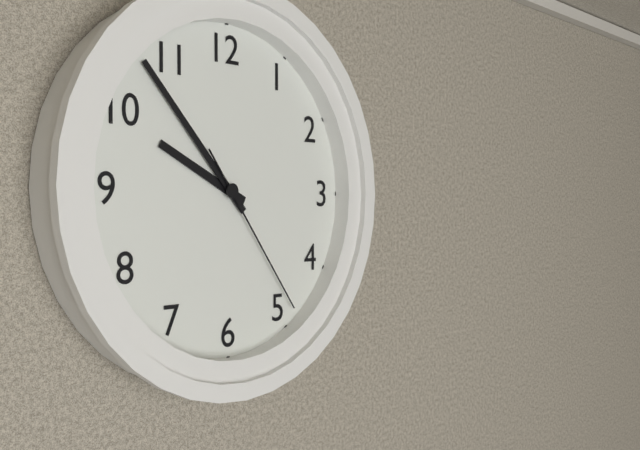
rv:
9h53m24s
